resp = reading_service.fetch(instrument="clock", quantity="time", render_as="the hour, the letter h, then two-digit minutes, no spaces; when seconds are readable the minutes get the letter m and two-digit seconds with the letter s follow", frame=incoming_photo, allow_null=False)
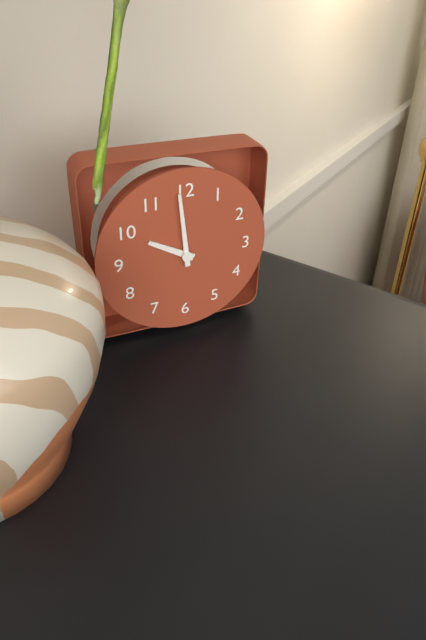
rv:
9h59
